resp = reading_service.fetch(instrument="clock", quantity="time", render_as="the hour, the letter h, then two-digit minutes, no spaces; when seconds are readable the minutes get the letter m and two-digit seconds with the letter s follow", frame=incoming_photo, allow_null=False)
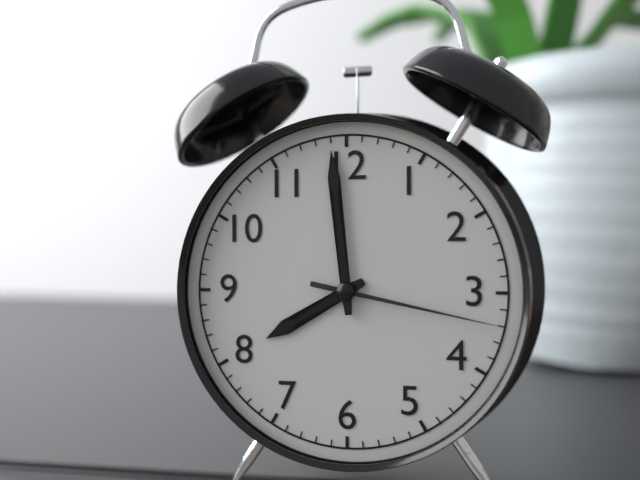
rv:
7h59m17s
